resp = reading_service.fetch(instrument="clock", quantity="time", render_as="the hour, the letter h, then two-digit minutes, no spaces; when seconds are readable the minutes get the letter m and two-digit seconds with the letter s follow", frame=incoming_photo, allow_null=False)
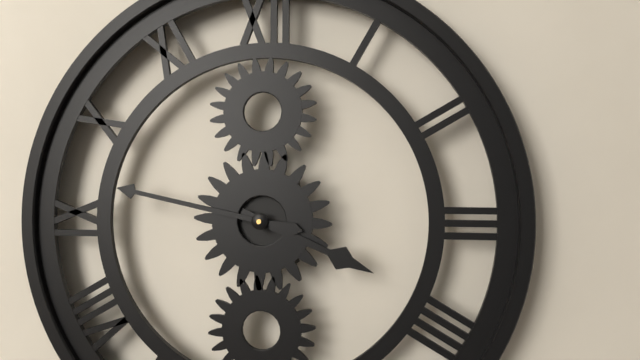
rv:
3h47
